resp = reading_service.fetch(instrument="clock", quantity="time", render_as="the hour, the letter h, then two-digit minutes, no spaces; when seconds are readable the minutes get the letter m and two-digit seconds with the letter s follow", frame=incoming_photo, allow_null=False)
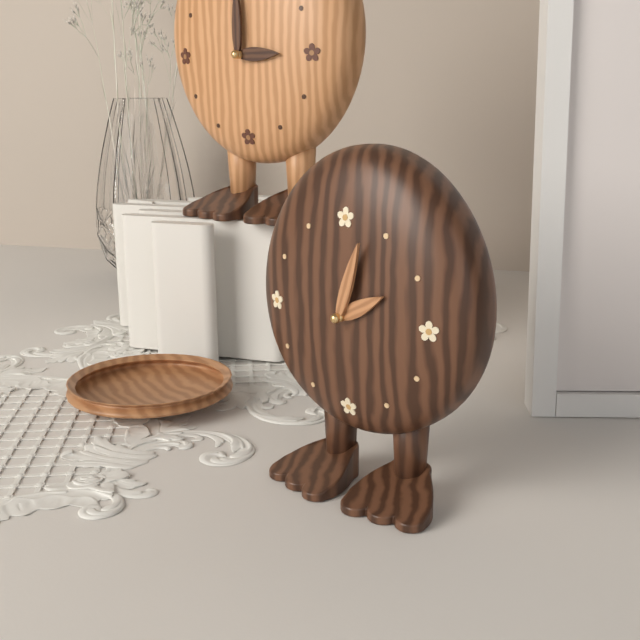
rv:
2h03
